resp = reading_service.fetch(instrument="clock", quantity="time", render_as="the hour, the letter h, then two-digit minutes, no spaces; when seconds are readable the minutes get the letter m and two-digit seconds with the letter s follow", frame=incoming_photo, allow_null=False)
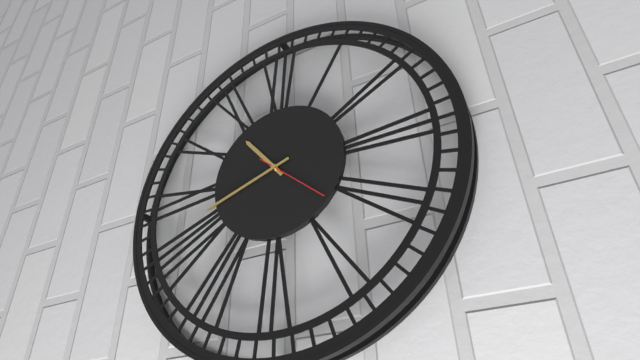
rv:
10h42
